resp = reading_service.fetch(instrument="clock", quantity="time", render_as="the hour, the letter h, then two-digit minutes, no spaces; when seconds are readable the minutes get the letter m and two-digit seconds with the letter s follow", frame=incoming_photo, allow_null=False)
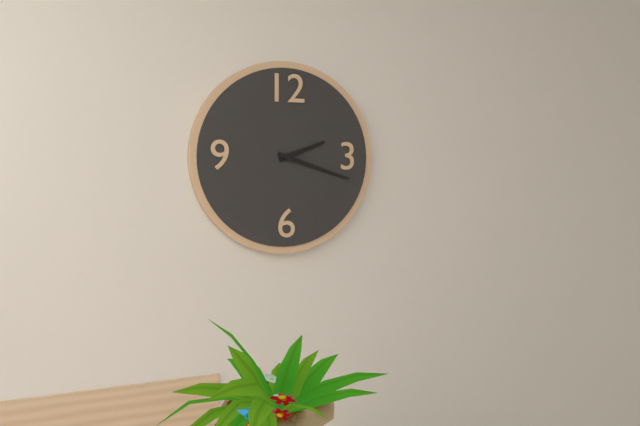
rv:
2h18
